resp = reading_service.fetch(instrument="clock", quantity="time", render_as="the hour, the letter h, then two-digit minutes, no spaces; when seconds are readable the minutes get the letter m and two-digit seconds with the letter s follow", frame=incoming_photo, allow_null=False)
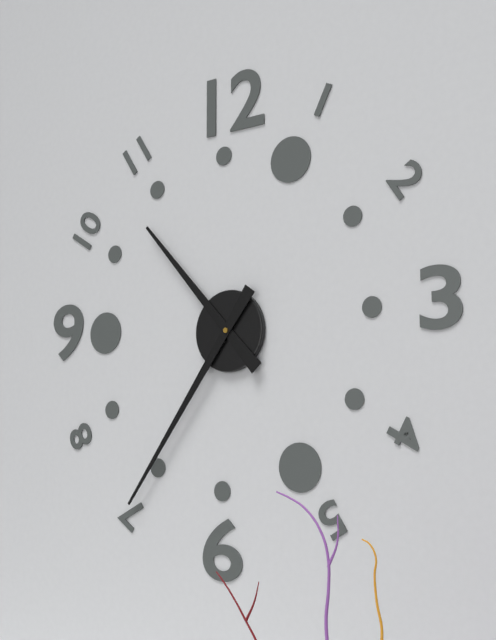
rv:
10h36
